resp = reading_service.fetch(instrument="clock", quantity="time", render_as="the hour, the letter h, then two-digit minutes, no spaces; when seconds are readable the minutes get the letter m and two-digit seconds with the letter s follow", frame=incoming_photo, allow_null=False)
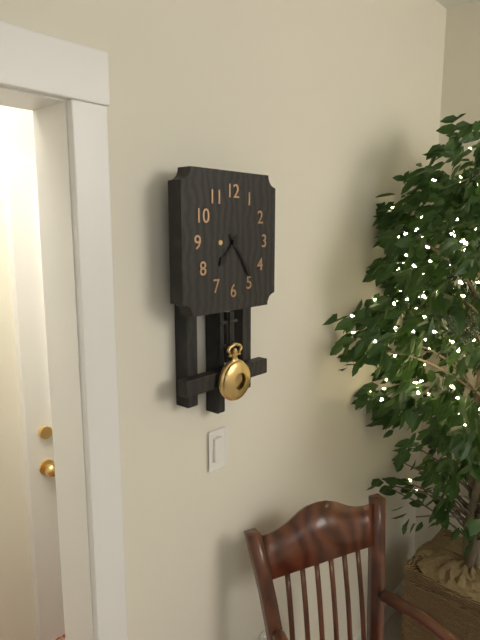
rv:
7h24
